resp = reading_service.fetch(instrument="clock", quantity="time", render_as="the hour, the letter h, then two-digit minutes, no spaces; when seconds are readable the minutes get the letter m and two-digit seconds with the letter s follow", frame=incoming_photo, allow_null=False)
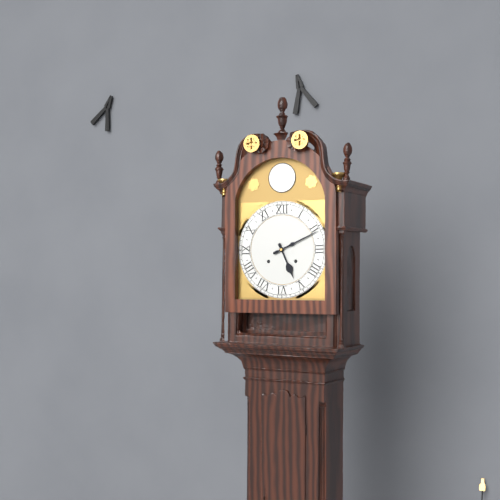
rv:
5h11
